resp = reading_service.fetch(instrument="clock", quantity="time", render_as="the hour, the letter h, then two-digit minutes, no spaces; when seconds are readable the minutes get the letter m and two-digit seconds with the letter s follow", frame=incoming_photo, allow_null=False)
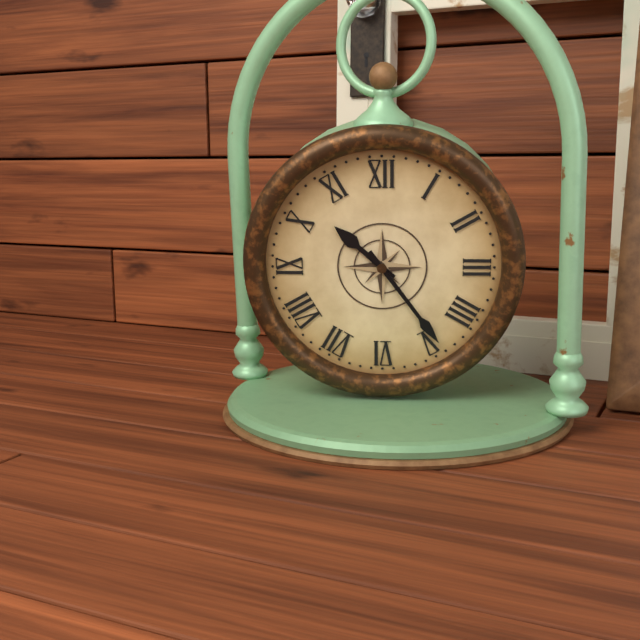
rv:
10h24
